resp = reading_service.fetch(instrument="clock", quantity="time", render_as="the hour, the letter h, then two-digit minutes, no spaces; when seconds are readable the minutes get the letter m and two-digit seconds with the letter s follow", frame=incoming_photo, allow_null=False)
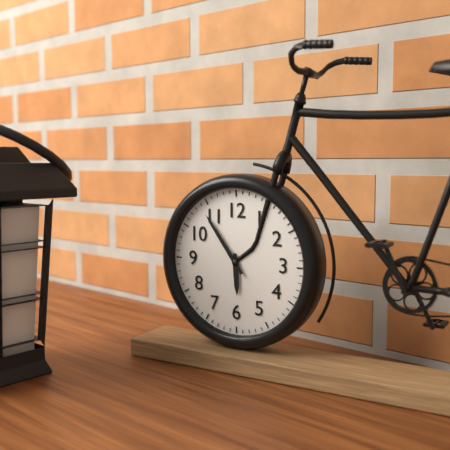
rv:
5h54
